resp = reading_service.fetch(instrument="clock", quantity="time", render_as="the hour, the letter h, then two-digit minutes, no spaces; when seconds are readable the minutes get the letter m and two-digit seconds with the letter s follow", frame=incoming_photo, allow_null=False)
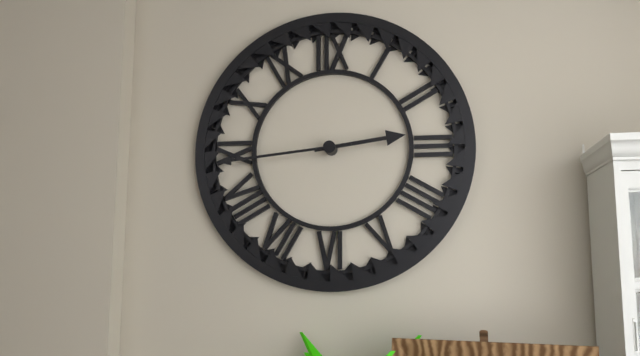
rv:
2h44
